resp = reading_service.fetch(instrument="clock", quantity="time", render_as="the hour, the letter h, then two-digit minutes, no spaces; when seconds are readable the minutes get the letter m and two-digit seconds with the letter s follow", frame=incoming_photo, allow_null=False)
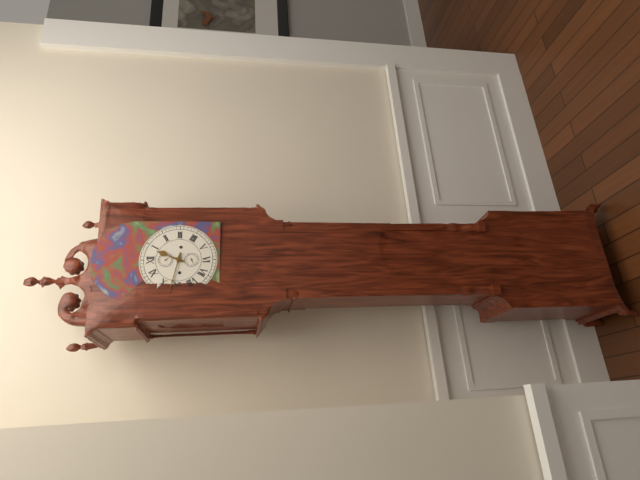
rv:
12h47
